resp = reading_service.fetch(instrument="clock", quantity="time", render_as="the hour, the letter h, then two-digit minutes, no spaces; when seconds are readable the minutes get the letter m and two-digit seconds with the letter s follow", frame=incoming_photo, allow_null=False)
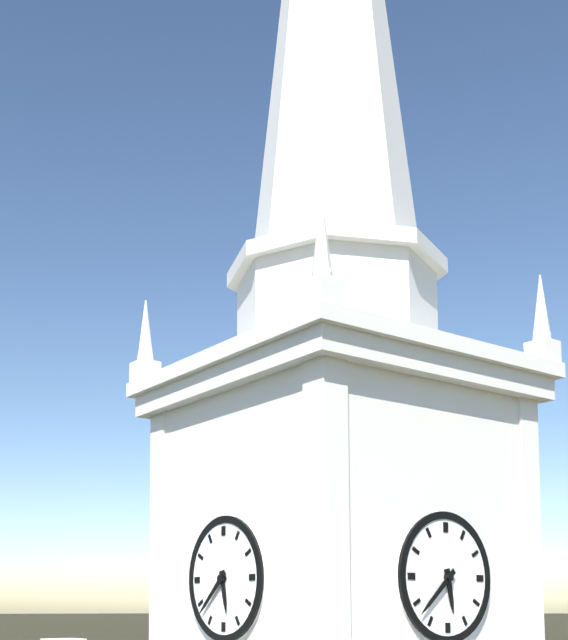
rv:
5h38
